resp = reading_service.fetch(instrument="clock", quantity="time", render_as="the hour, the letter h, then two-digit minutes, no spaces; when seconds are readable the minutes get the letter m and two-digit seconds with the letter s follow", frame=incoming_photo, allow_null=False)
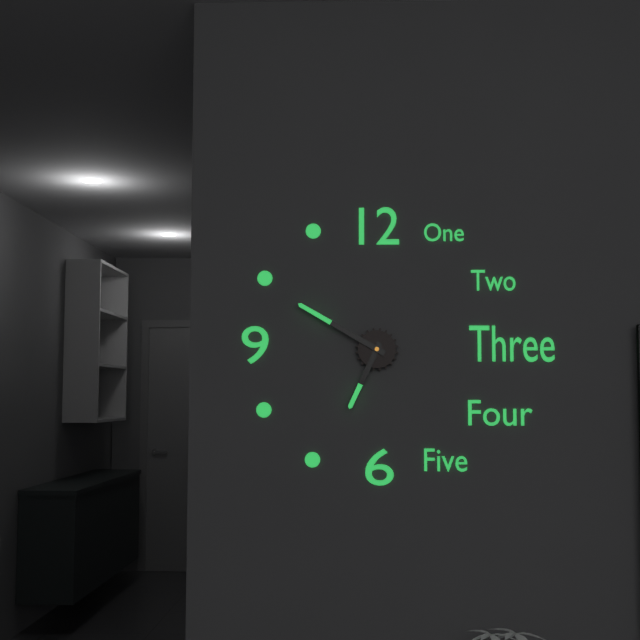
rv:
6h50
